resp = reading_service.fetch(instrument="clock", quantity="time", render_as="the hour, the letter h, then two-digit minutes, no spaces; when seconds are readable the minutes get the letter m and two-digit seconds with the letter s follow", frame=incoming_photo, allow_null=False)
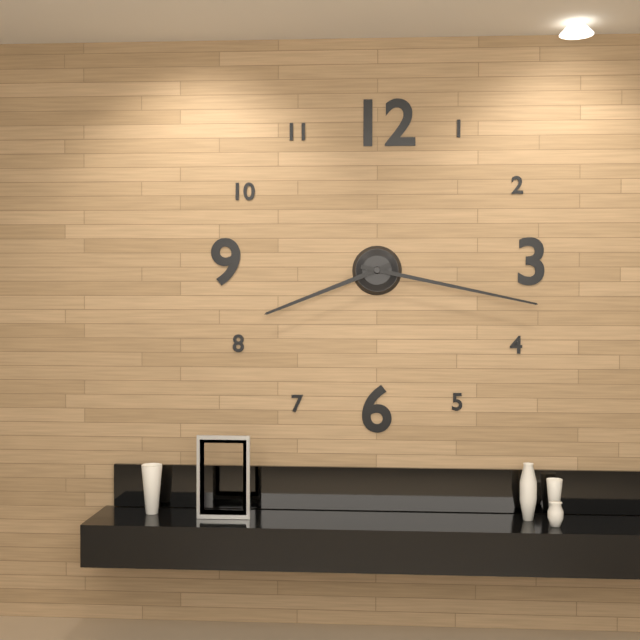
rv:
8h17
